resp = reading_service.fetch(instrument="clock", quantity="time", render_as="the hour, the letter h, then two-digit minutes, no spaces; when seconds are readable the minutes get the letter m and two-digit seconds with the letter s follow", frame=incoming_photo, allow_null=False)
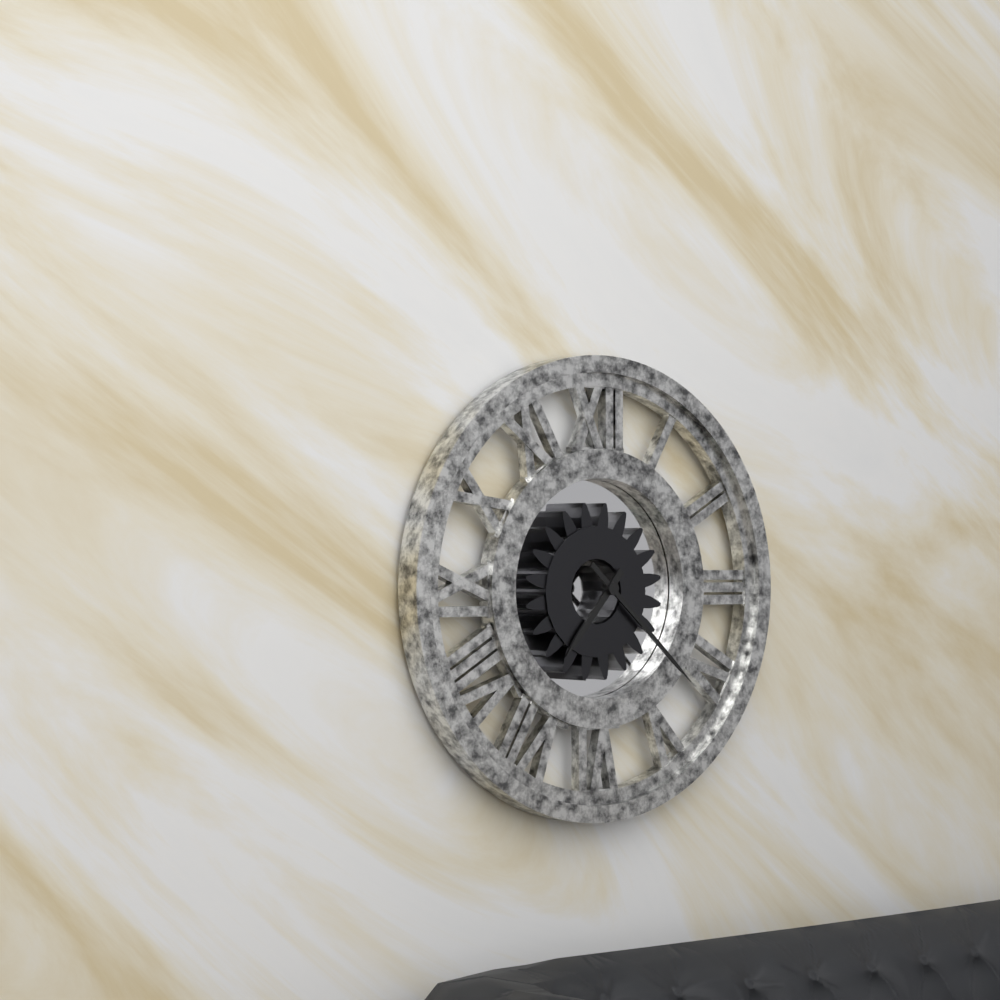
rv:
7h22
